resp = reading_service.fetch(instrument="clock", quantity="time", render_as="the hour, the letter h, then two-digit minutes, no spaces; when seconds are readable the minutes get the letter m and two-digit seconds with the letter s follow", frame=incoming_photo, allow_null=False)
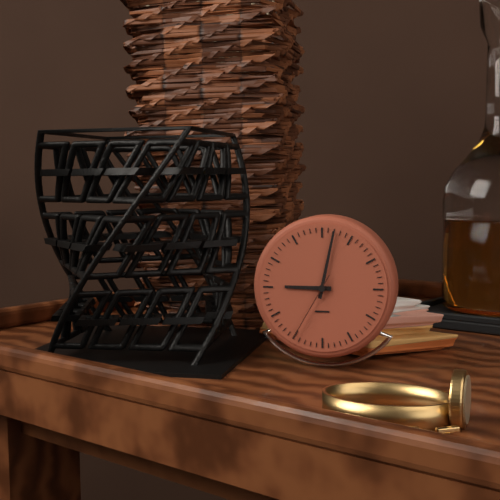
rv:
9h02m35s
